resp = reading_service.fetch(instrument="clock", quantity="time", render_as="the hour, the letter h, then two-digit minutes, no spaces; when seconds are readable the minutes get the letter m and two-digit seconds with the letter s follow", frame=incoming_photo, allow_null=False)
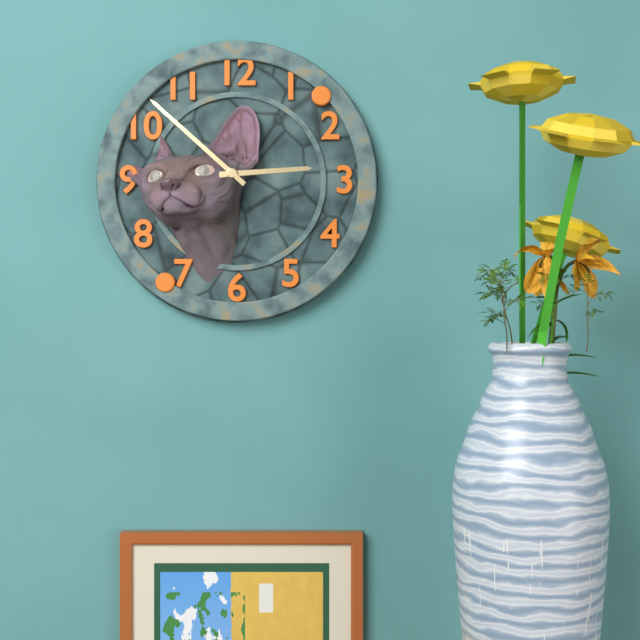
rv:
2h52
